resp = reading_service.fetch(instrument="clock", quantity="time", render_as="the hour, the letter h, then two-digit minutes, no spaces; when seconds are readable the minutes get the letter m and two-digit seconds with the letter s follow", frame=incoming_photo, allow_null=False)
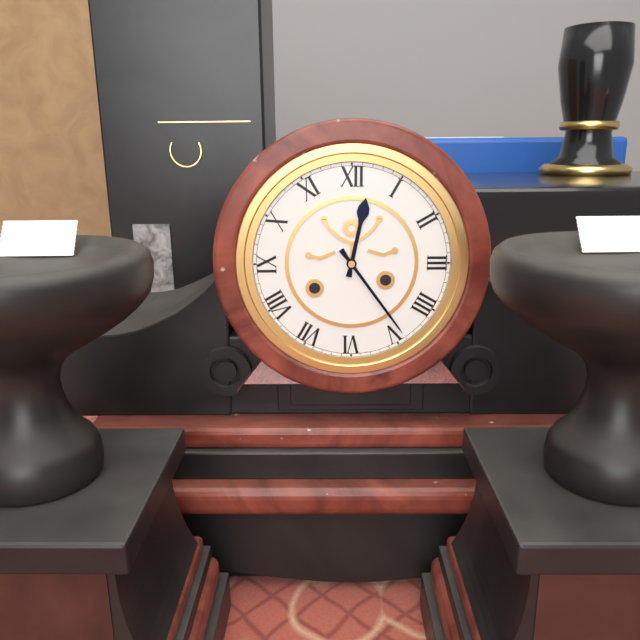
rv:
12h24
